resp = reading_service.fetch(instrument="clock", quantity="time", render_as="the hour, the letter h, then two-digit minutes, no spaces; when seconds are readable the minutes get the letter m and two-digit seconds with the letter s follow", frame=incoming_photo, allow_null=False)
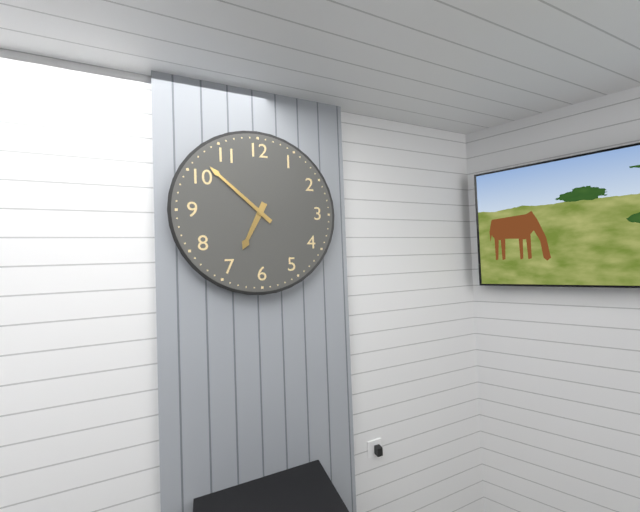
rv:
6h52
